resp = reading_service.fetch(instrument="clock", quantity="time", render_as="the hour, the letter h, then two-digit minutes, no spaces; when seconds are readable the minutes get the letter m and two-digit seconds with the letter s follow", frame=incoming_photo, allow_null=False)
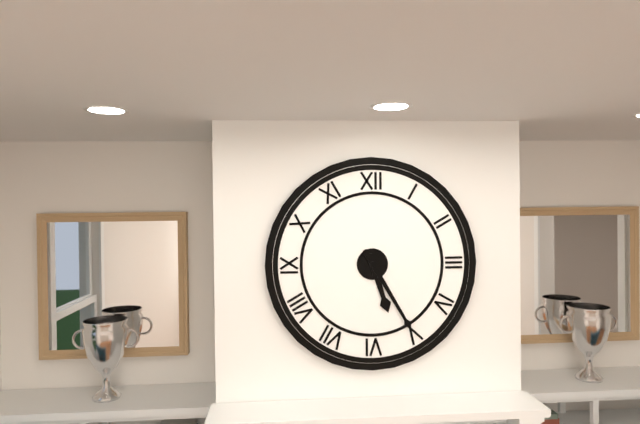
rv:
5h25
